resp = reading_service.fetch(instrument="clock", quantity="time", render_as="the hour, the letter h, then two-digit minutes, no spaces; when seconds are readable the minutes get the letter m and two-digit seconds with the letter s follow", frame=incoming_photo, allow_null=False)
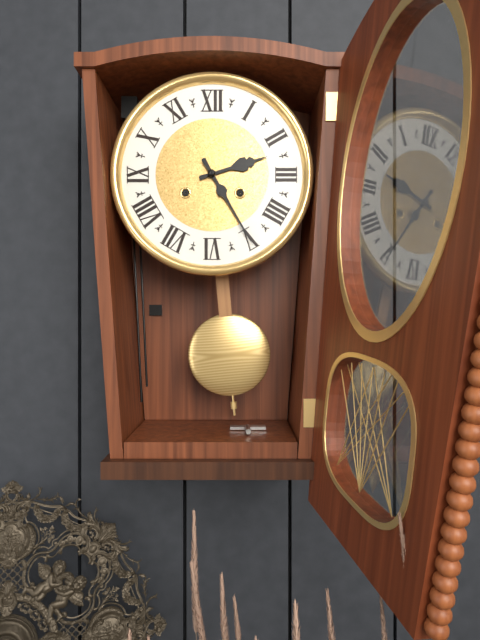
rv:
2h25
